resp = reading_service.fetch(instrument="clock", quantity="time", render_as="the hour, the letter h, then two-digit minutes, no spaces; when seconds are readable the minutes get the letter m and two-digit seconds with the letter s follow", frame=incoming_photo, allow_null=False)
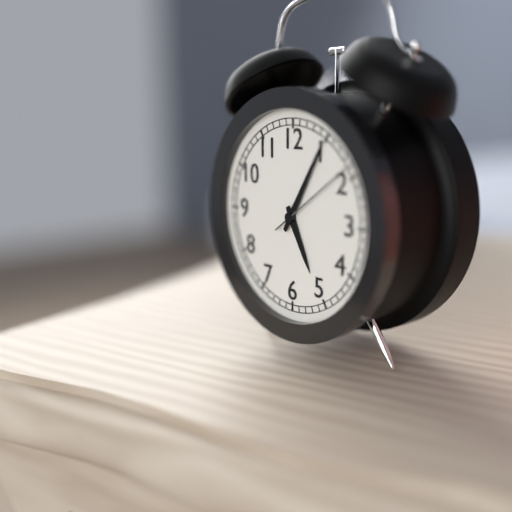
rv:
5h05m09s
